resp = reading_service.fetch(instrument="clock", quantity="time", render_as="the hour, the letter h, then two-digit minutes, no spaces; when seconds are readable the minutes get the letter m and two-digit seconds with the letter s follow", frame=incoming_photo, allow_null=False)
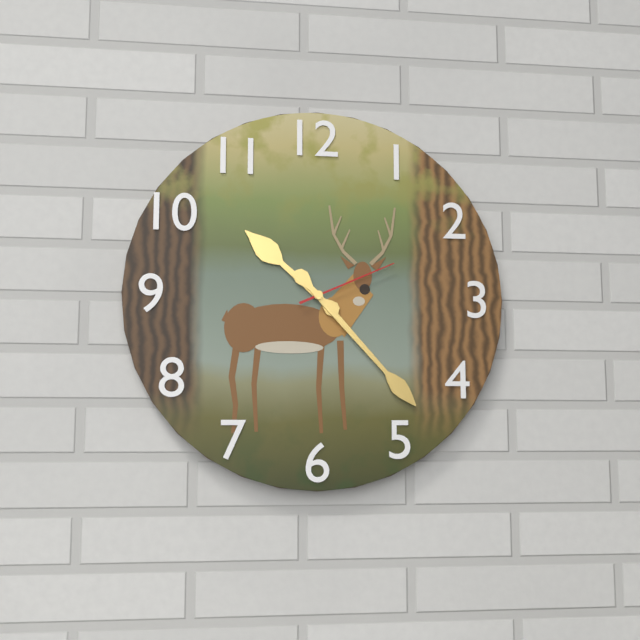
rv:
10h23m11s
